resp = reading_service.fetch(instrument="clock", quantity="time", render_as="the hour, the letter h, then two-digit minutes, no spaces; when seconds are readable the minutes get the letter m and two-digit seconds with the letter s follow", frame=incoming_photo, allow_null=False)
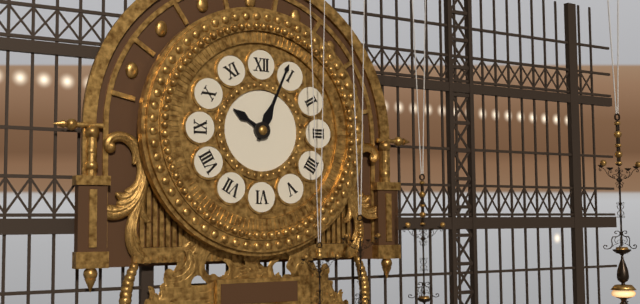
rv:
10h04
